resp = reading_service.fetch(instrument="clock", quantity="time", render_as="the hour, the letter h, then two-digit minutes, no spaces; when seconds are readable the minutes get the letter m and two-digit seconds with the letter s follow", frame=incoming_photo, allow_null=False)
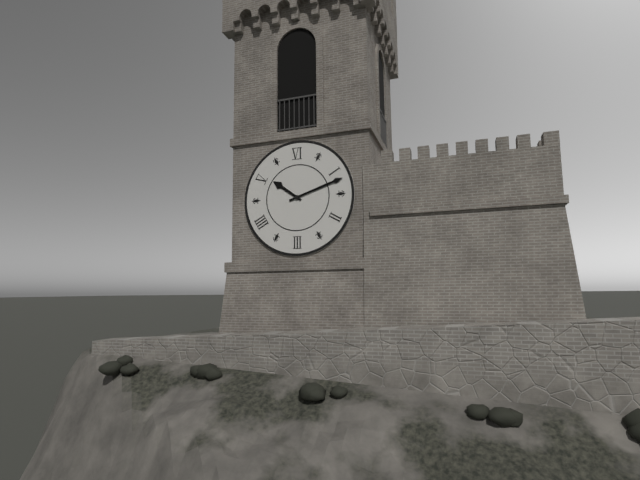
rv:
10h12
